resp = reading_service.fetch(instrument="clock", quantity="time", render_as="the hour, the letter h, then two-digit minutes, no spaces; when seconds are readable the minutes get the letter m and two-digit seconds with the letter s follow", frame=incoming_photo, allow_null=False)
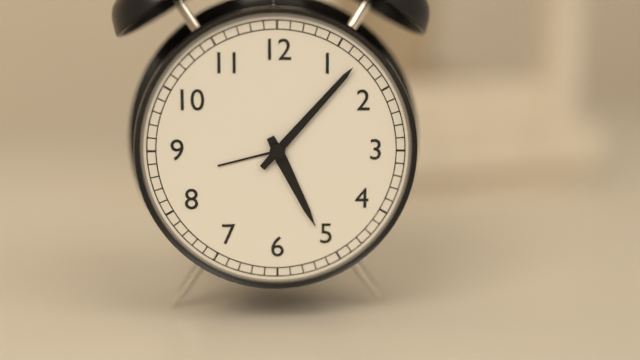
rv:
5h07
